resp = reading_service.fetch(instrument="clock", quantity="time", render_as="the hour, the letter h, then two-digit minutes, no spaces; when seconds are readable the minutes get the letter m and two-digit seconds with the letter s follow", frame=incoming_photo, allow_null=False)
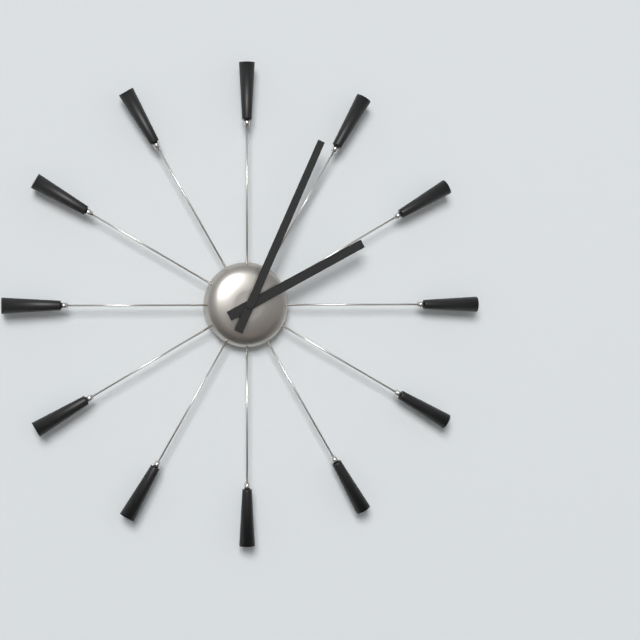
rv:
2h04
